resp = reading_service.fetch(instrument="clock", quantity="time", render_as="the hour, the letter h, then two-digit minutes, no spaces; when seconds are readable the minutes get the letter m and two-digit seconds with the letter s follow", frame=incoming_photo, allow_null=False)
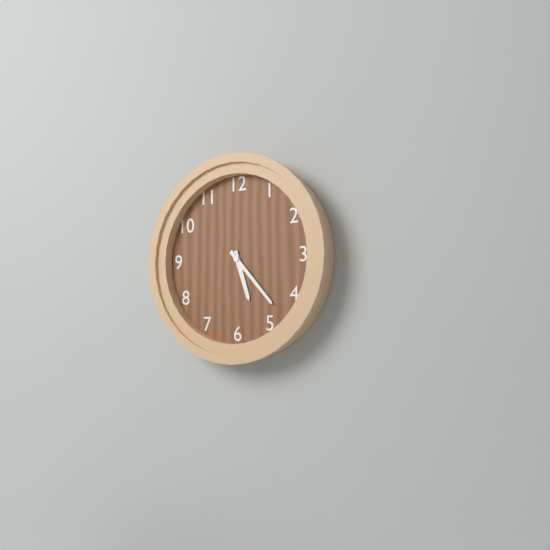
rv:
5h23
